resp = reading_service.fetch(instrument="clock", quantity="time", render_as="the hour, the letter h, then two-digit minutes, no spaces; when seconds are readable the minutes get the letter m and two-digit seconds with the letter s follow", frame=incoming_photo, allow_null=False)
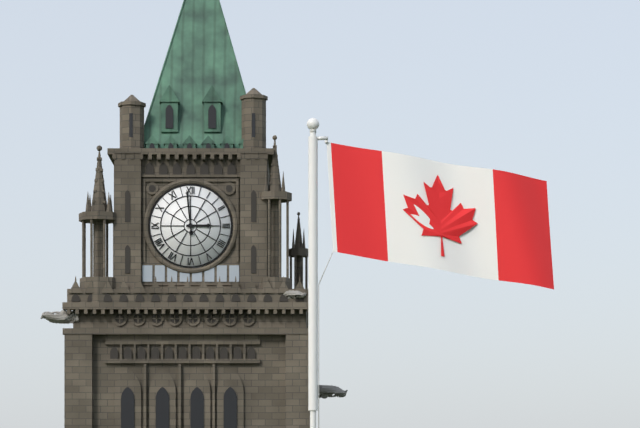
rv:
2h59
